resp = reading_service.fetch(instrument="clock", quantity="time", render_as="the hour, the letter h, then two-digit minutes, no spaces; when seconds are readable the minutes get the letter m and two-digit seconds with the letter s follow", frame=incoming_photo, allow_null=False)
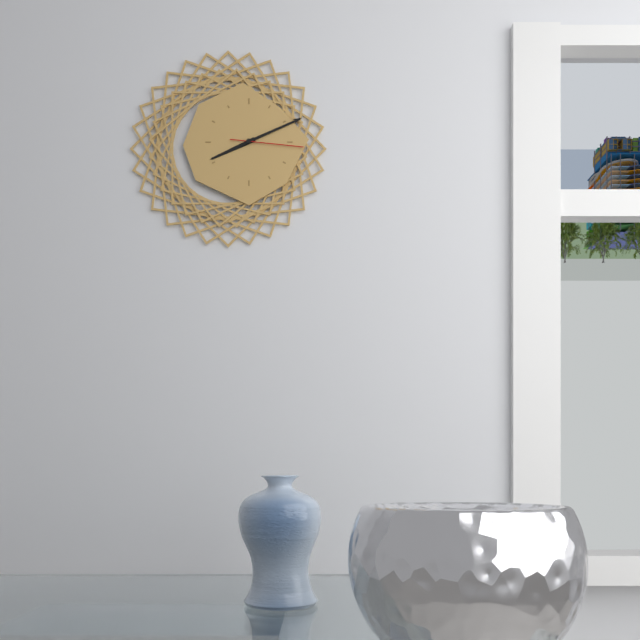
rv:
8h11m16s
